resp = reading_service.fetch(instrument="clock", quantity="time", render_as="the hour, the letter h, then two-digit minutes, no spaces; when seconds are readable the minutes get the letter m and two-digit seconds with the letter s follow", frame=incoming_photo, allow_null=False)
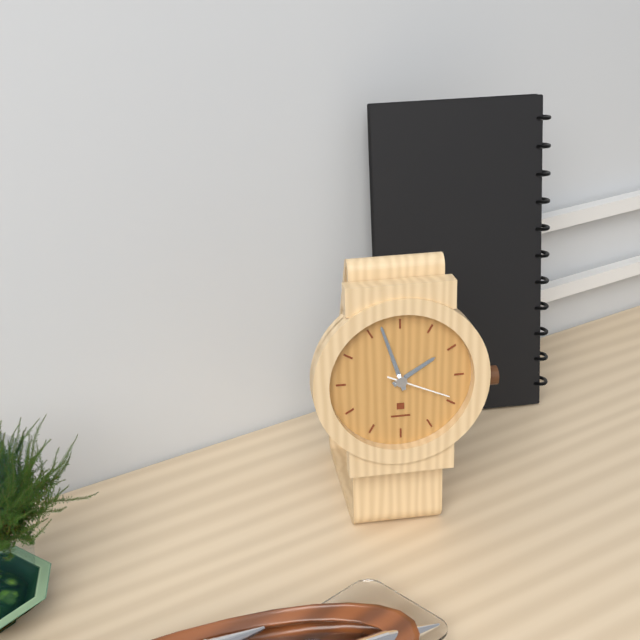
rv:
1h57m19s
